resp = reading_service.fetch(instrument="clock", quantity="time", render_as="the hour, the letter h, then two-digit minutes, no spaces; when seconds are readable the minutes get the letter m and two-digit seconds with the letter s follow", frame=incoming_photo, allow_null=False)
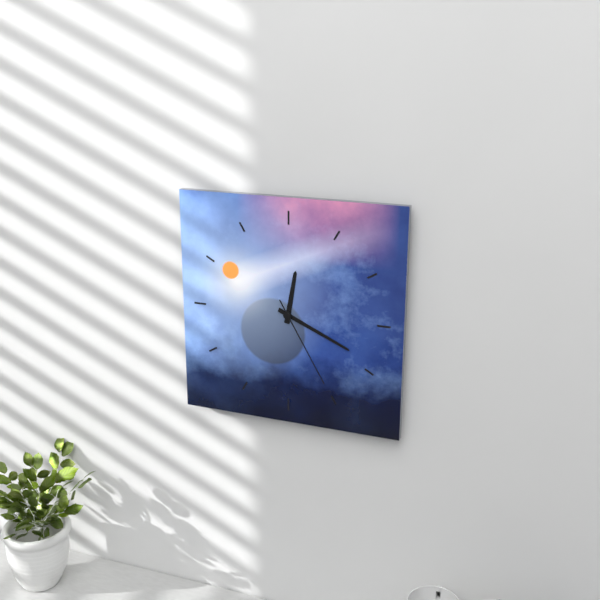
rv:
12h19m25s
